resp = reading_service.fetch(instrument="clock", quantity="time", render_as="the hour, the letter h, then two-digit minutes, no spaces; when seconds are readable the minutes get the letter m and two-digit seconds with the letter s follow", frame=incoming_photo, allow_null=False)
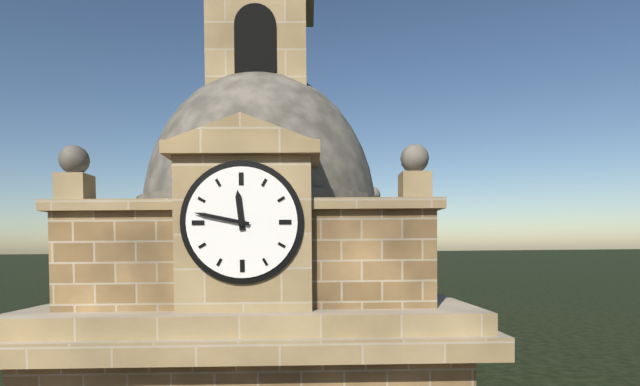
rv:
11h47
